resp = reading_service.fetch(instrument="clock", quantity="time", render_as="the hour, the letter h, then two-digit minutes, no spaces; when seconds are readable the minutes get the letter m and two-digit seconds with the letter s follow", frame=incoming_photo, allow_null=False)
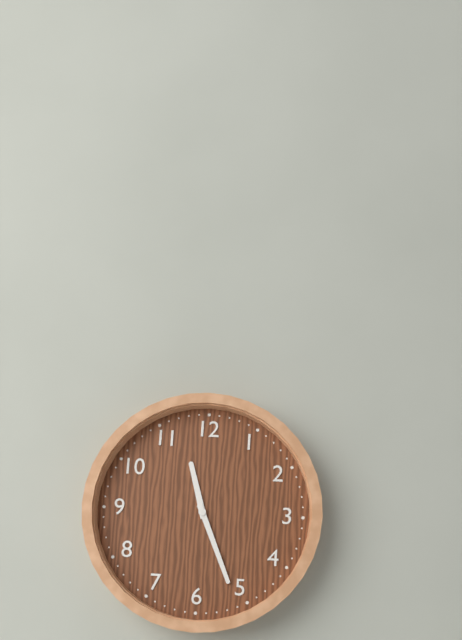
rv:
11h26
